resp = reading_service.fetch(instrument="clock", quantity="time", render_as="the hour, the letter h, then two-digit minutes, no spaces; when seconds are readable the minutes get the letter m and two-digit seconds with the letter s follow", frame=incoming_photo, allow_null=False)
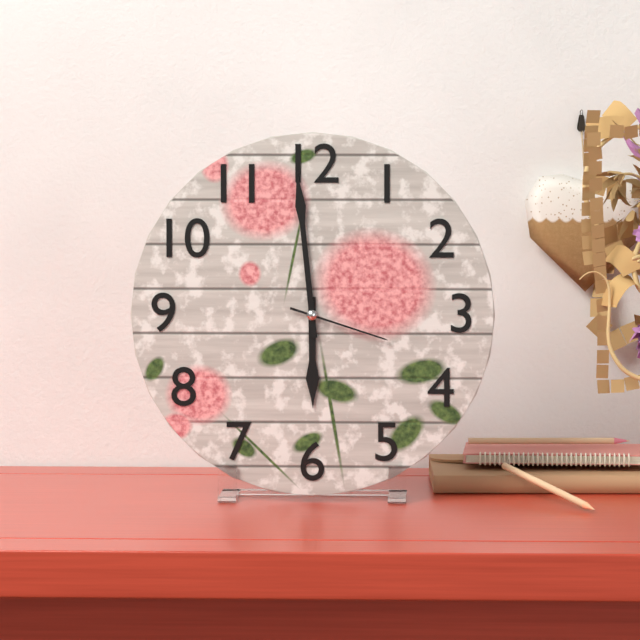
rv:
5h59m18s
